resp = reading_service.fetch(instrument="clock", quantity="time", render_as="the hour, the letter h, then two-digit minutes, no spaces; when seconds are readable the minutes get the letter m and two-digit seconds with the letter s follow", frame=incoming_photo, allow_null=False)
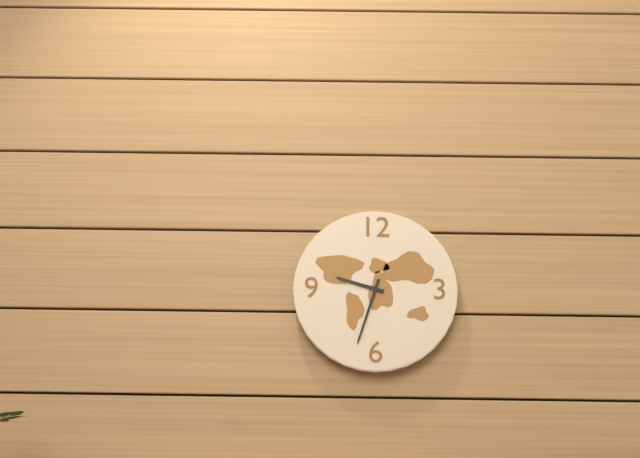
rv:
9h33
